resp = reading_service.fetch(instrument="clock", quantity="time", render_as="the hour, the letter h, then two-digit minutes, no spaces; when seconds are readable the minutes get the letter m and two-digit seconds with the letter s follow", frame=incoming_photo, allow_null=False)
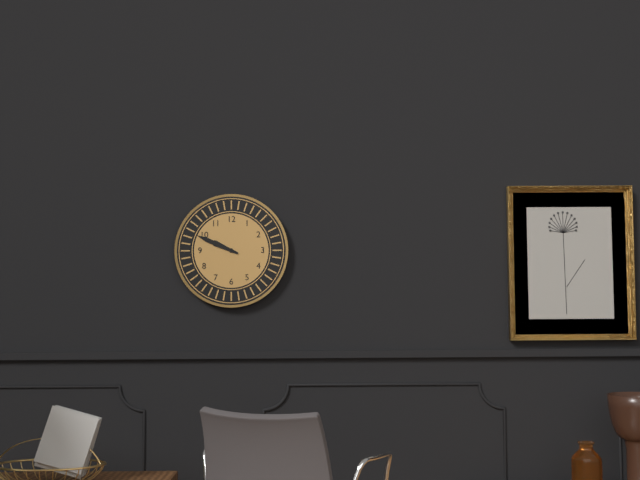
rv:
9h49
